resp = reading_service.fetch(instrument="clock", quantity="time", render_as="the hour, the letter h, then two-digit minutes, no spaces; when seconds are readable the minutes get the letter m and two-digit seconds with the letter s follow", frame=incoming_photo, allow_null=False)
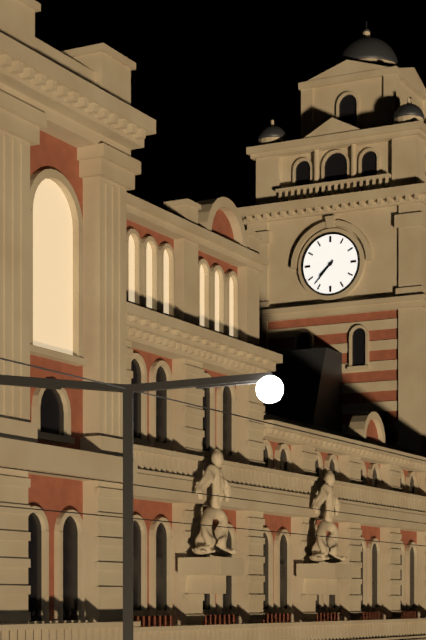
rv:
7h37
